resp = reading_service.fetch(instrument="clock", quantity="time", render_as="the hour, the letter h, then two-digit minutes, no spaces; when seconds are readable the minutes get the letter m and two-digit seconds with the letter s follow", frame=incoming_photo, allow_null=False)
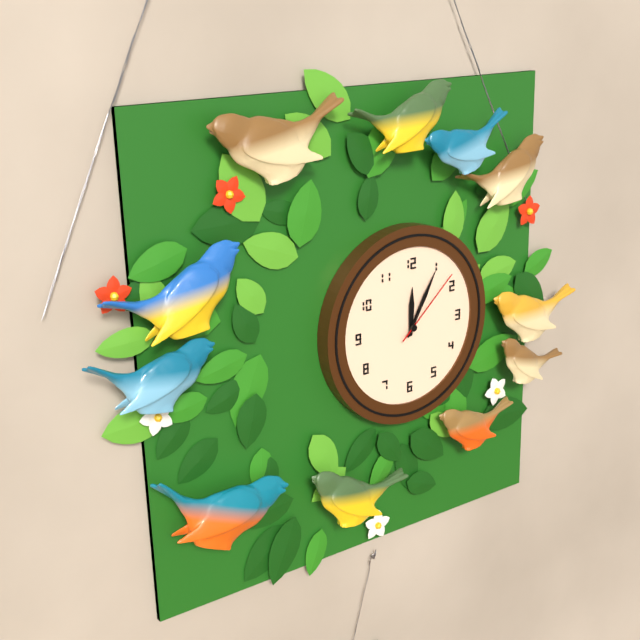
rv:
12h05m08s
